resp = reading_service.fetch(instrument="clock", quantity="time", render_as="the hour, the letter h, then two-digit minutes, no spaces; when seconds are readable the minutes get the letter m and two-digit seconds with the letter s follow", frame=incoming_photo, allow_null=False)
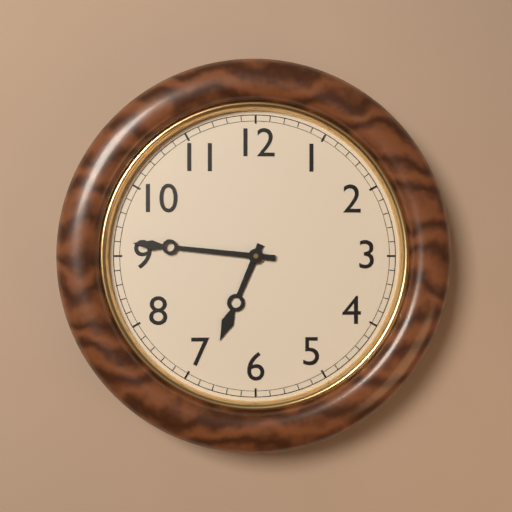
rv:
6h46
